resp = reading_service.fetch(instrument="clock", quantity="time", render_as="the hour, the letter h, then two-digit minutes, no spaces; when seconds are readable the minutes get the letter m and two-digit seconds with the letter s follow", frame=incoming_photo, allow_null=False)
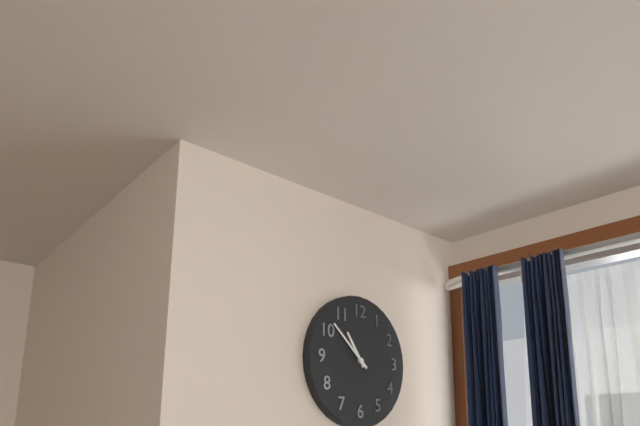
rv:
10h52
